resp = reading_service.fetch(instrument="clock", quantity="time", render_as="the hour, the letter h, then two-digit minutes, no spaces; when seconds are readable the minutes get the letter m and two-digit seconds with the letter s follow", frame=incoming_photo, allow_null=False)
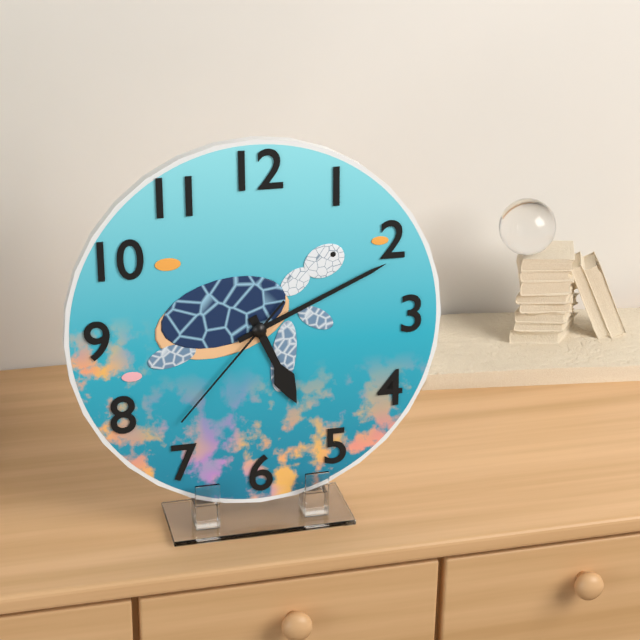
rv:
5h11m37s
